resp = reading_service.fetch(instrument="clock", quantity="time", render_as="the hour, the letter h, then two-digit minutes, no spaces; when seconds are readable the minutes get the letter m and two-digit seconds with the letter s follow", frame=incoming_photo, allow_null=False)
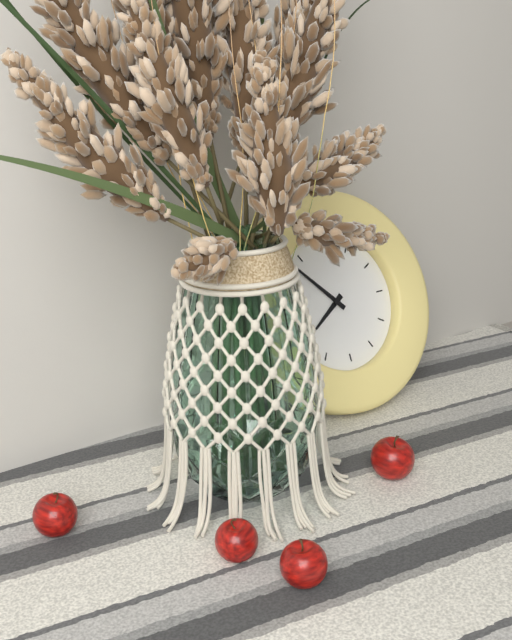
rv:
7h53
